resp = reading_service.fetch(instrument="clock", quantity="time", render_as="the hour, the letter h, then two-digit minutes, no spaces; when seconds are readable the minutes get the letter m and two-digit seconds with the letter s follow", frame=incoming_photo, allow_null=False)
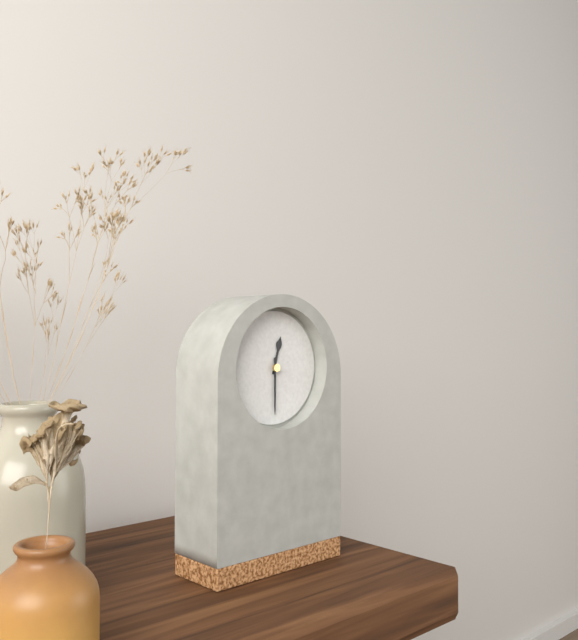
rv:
12h30
